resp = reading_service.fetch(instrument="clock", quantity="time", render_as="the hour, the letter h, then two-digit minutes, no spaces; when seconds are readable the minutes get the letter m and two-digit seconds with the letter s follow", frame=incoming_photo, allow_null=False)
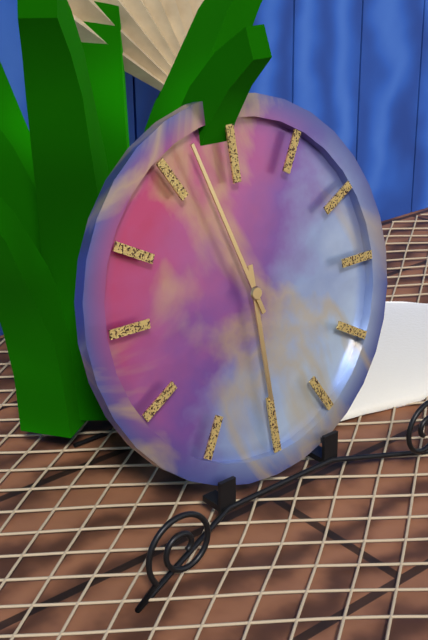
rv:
5h57
